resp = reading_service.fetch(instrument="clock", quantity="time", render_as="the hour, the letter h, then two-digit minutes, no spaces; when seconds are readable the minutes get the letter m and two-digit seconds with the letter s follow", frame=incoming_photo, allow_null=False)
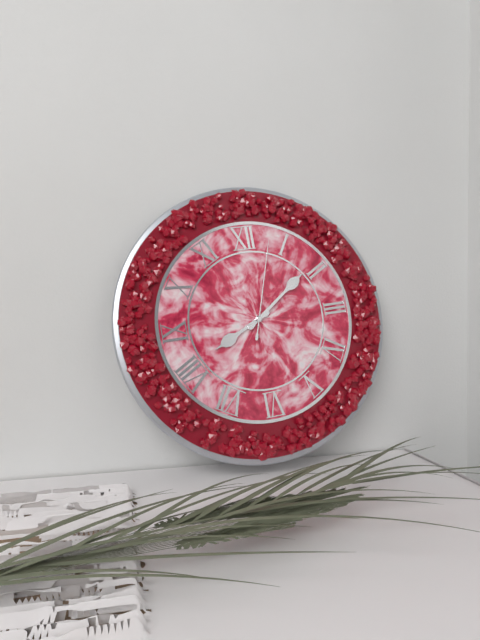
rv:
8h09m03s
